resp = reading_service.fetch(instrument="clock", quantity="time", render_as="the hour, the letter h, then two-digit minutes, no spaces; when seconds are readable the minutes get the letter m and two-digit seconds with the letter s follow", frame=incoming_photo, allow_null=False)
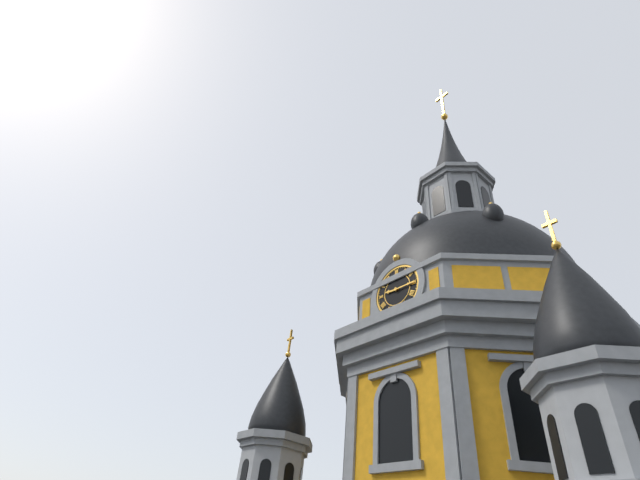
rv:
9h15
